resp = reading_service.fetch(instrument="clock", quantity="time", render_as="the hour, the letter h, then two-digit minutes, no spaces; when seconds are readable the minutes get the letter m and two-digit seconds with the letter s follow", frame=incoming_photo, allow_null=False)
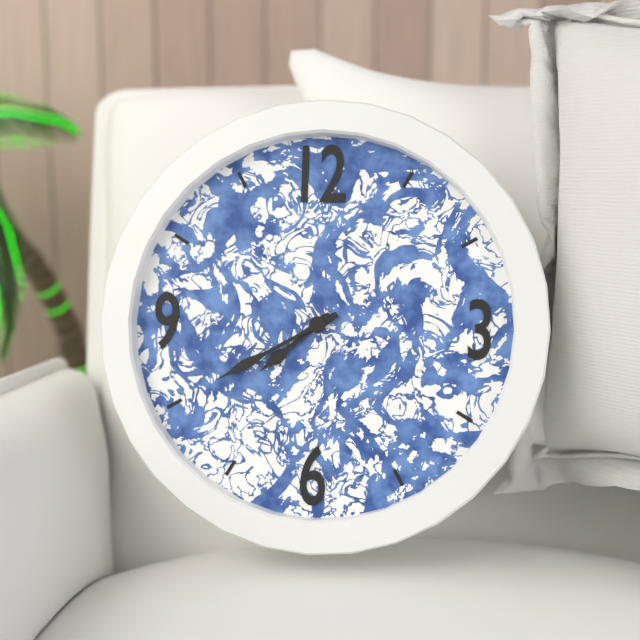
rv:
7h40
